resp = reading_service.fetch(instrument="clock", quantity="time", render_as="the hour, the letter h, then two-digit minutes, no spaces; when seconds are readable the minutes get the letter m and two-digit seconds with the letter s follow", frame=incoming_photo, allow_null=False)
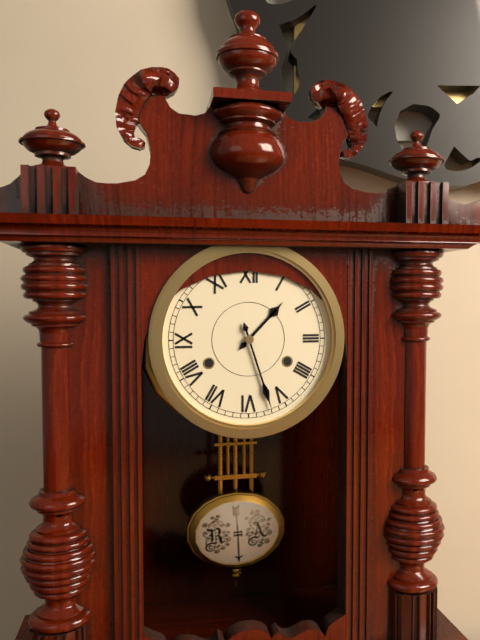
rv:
1h27
